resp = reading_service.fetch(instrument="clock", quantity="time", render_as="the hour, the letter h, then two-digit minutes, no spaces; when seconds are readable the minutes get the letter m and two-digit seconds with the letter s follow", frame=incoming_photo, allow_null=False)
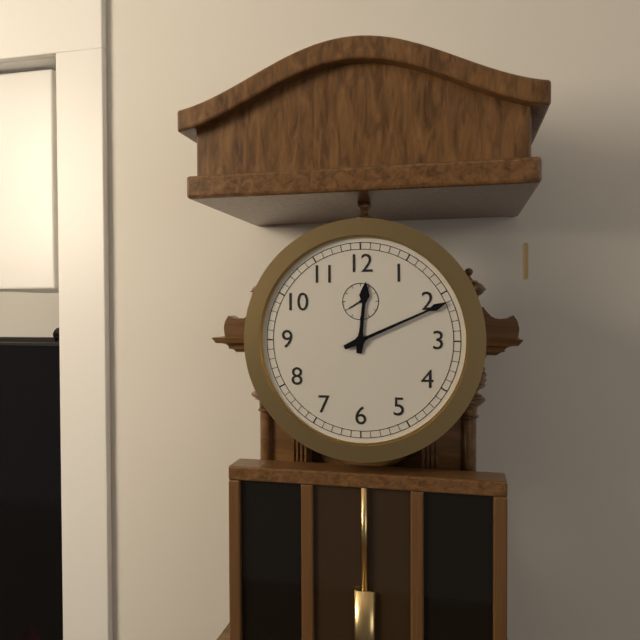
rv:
12h11
